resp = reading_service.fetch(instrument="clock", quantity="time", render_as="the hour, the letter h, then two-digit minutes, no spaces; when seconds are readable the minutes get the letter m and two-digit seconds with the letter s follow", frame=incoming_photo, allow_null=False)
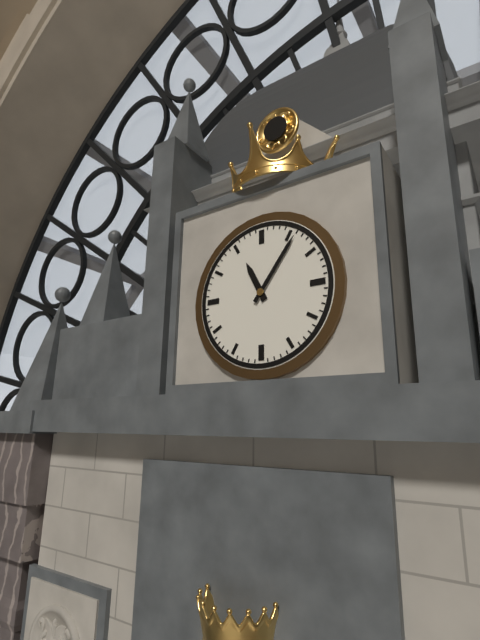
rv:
11h06
